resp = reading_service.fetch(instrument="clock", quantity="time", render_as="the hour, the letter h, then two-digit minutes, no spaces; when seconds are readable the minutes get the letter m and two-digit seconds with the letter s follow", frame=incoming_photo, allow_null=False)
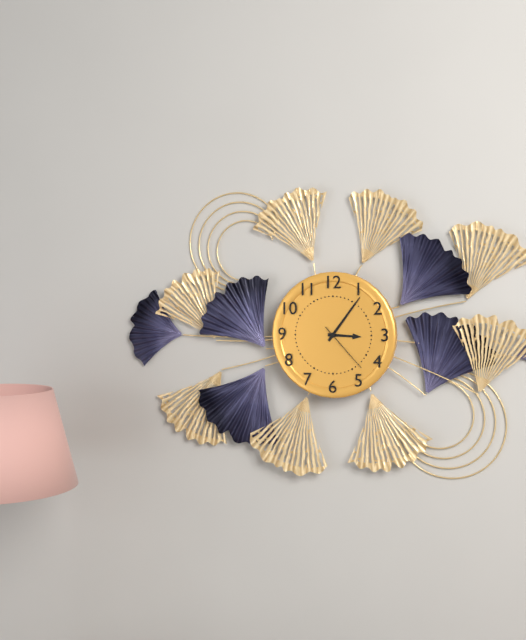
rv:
3h06m23s
